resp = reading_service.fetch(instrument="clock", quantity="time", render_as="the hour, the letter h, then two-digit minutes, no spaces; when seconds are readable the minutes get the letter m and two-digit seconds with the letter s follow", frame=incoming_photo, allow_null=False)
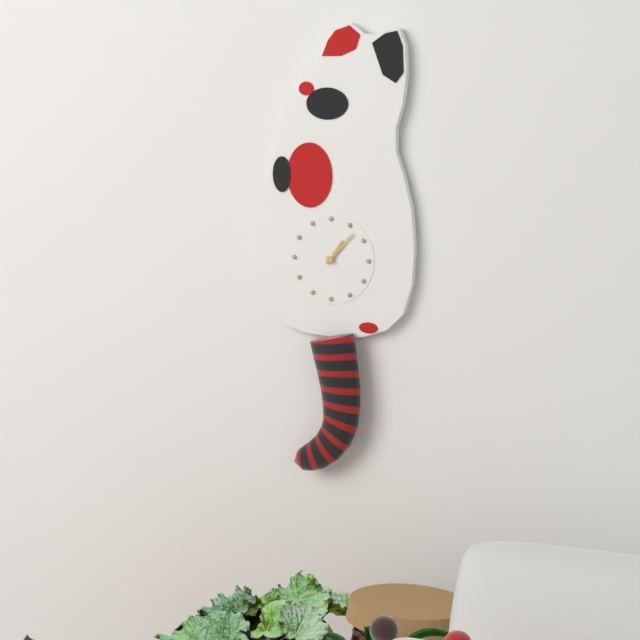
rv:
1h07
